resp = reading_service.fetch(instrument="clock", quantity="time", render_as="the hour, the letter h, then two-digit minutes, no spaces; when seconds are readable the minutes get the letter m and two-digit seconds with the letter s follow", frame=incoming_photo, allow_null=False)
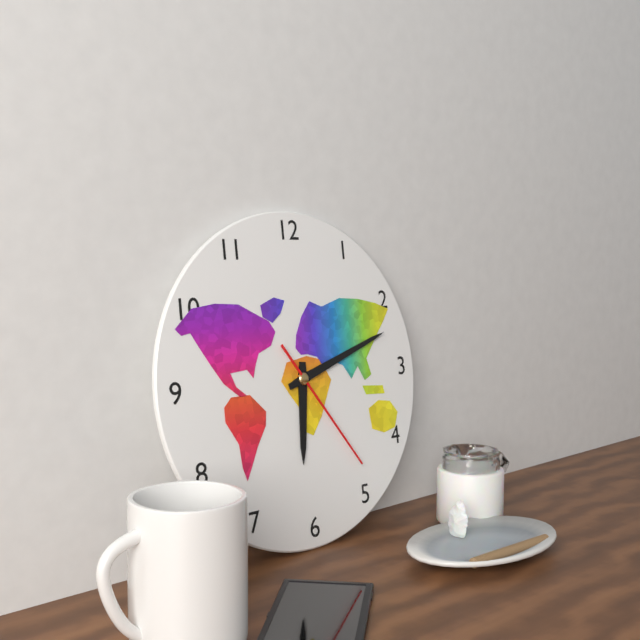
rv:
6h12m24s
